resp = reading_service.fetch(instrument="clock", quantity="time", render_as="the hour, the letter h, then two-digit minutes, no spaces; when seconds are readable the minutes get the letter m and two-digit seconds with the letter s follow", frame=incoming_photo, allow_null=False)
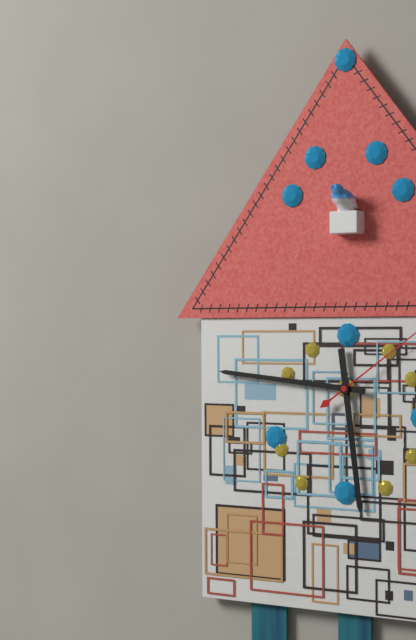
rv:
5h46
